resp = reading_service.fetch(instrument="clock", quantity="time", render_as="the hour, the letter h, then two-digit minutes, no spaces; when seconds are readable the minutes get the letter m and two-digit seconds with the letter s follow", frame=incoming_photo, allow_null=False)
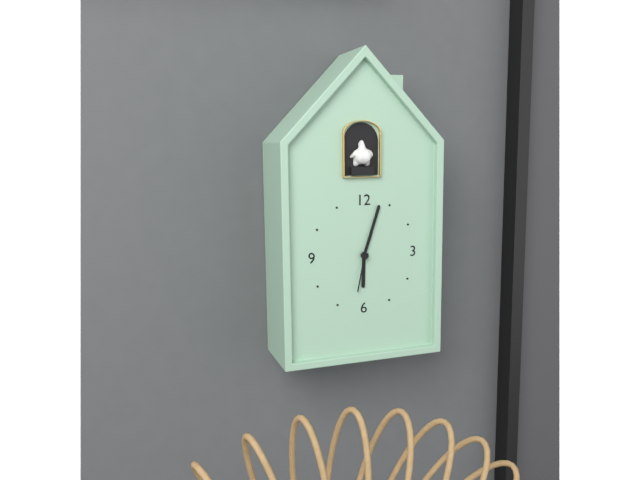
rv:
6h03
